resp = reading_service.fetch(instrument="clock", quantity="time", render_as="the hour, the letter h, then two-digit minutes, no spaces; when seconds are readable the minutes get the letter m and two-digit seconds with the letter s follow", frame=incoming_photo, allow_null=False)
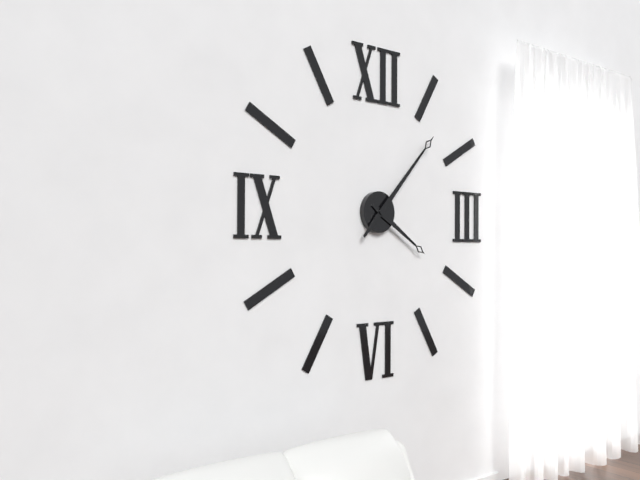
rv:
4h07
